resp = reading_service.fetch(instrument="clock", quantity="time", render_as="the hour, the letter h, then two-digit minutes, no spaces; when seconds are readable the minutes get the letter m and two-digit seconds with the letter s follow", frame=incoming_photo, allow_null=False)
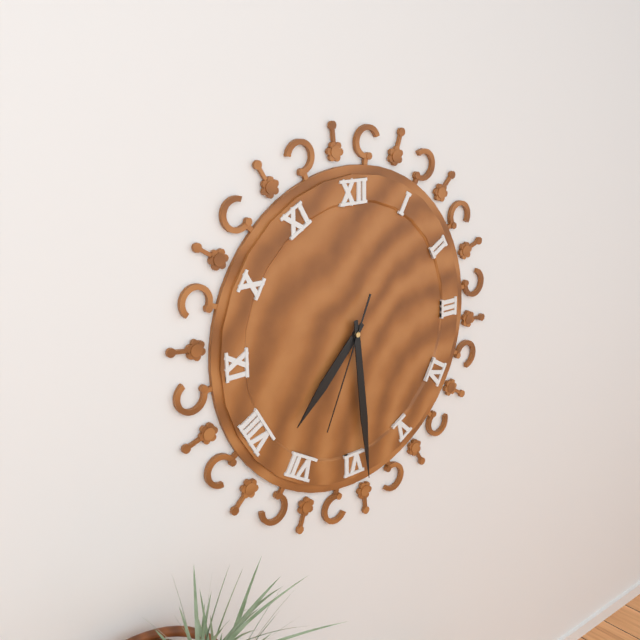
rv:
7h29m34s
